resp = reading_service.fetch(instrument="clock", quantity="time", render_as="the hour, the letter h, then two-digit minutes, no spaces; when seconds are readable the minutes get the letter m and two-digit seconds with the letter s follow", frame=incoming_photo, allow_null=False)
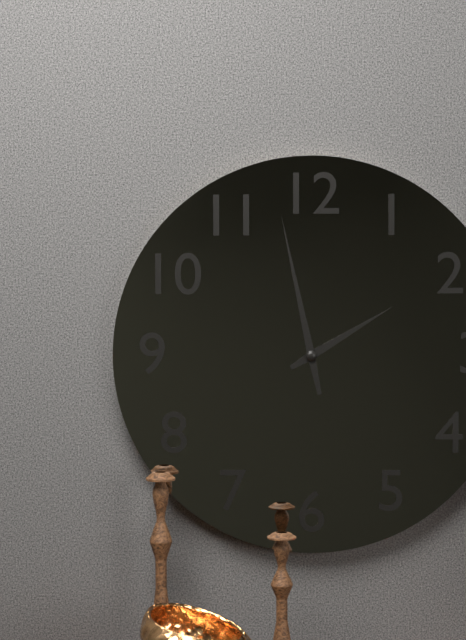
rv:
1h58
